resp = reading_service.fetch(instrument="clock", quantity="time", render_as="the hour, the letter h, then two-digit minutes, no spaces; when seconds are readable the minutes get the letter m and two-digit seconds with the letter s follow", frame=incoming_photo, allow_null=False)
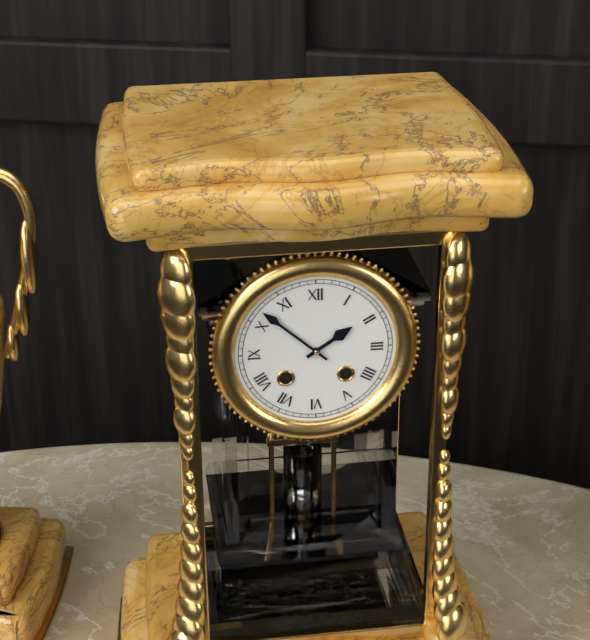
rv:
1h52
